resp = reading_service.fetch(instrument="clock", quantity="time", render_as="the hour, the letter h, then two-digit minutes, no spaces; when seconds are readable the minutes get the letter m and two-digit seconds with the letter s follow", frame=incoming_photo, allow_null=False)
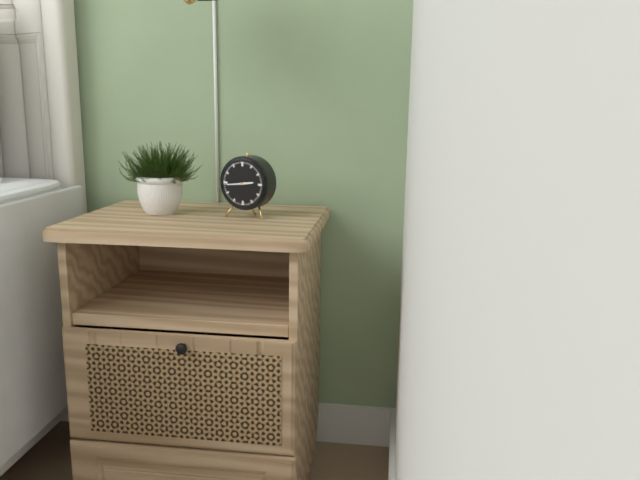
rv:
2h44
